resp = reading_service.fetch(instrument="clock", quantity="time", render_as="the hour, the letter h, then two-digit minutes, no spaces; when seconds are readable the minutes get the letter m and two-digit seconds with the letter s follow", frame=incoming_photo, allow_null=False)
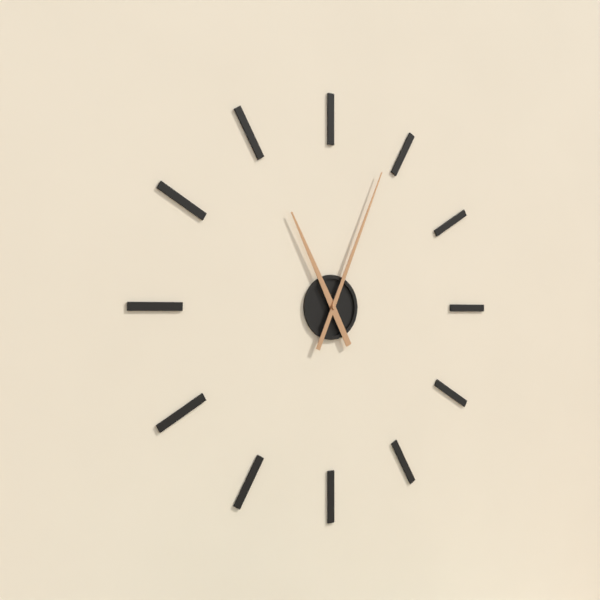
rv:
11h04
